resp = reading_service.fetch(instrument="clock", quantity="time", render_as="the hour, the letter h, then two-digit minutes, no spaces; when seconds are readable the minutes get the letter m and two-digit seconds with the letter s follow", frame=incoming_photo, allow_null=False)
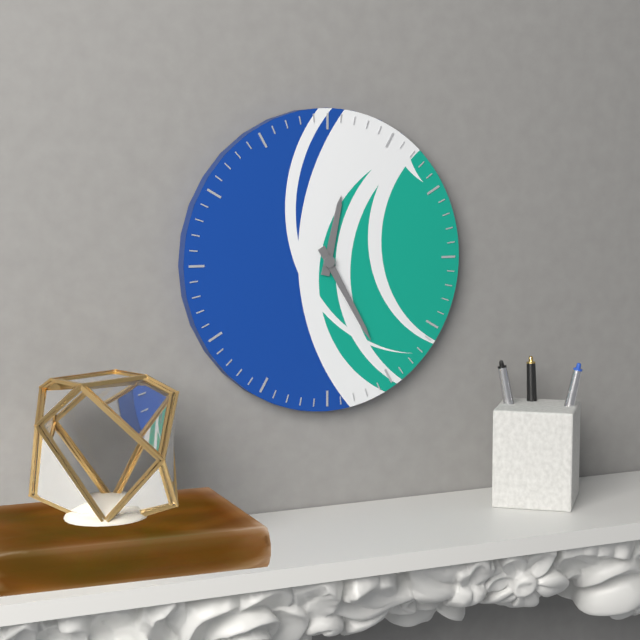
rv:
12h25
